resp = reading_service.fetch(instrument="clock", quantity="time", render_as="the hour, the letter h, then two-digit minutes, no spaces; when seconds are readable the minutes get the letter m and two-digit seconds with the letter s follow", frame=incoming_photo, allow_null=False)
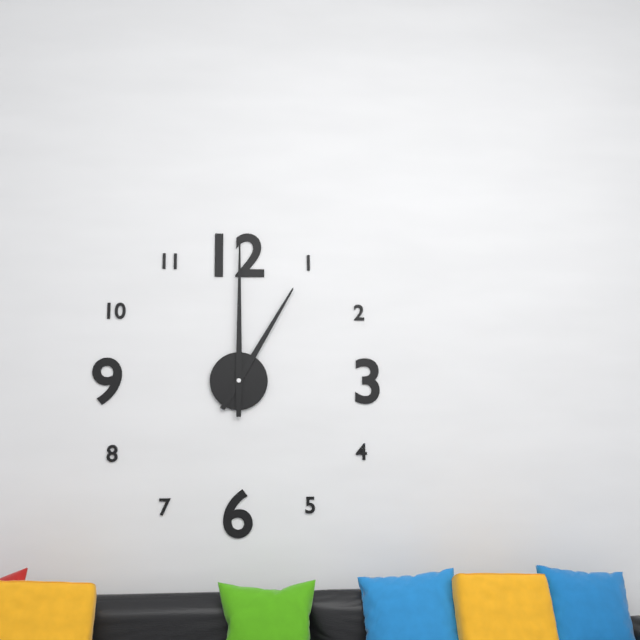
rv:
1h00
